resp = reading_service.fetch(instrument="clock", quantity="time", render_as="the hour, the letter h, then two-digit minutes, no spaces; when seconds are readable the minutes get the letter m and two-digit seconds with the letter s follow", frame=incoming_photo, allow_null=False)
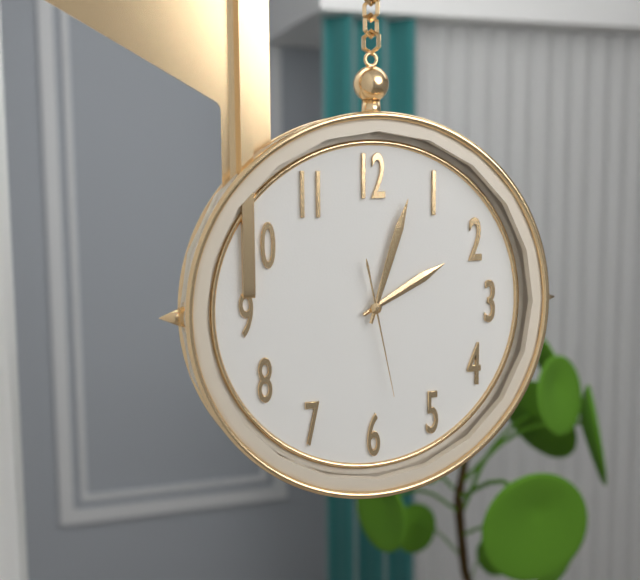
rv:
2h03m28s
